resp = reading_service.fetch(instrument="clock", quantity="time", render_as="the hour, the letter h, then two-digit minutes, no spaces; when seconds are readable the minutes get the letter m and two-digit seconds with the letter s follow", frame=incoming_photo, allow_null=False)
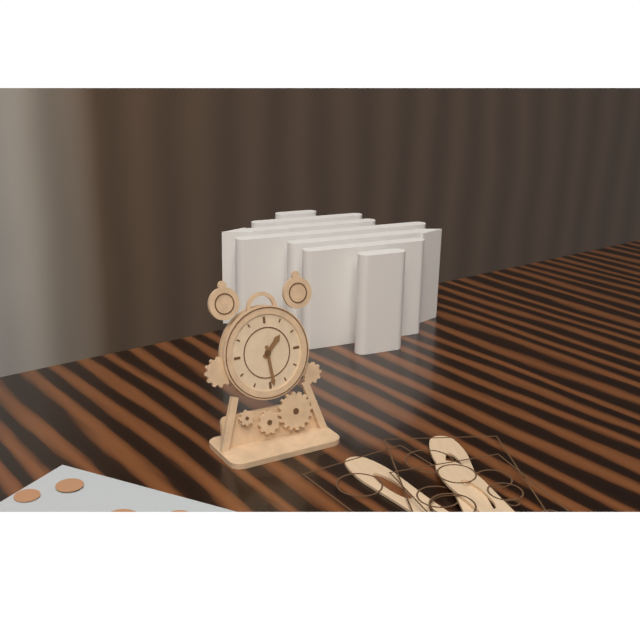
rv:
1h29
